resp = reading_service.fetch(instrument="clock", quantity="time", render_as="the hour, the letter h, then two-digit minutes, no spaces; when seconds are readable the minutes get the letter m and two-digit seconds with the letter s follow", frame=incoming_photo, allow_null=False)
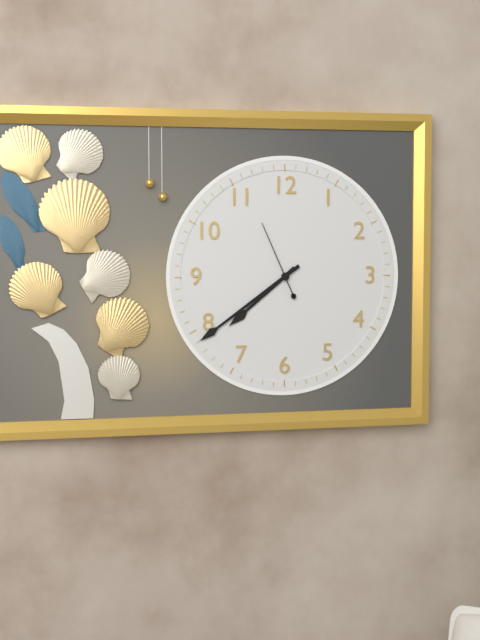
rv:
7h39m56s
